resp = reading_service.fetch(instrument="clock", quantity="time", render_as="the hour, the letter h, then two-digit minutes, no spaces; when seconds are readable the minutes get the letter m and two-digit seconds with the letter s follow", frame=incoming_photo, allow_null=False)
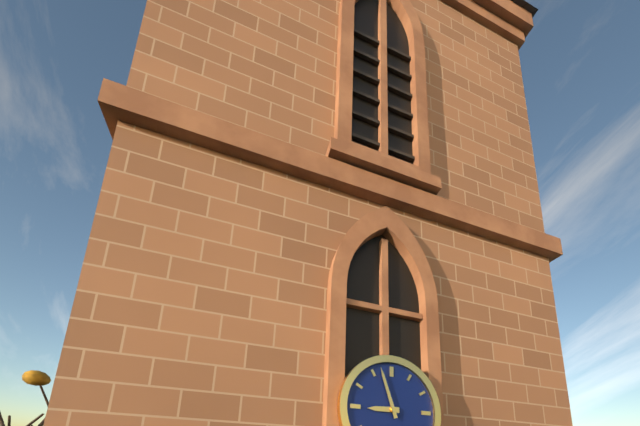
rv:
8h57
